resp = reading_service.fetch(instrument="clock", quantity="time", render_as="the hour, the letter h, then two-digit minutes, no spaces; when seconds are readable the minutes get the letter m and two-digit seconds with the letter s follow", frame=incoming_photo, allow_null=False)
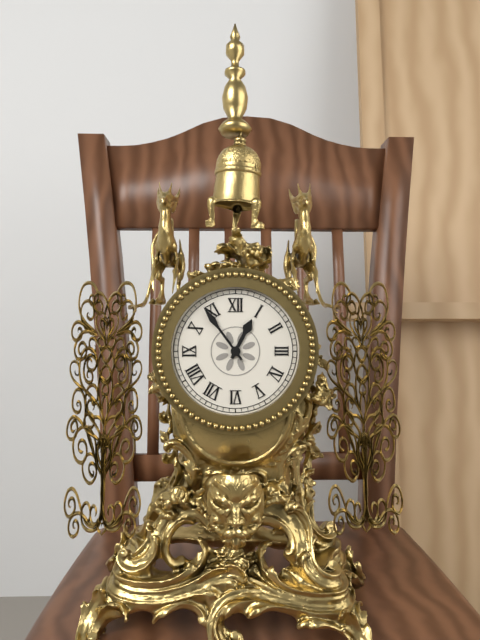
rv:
12h54
